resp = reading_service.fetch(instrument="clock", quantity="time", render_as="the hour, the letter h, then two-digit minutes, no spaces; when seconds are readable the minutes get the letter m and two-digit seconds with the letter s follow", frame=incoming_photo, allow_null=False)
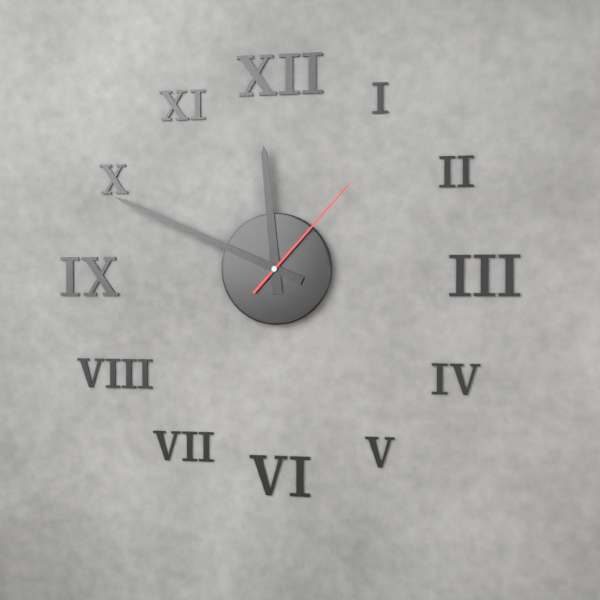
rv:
11h49m07s
